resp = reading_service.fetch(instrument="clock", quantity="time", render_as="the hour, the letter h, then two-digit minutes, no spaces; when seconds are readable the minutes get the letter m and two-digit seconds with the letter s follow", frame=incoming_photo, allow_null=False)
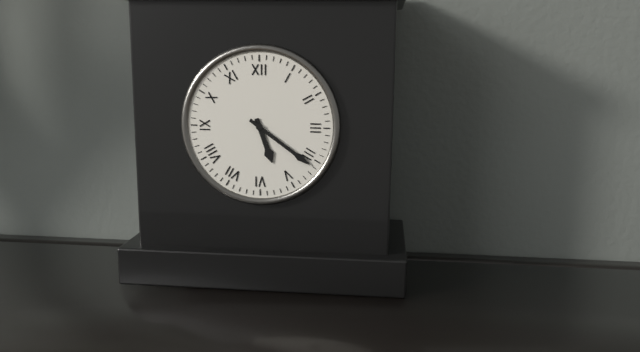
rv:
5h21
